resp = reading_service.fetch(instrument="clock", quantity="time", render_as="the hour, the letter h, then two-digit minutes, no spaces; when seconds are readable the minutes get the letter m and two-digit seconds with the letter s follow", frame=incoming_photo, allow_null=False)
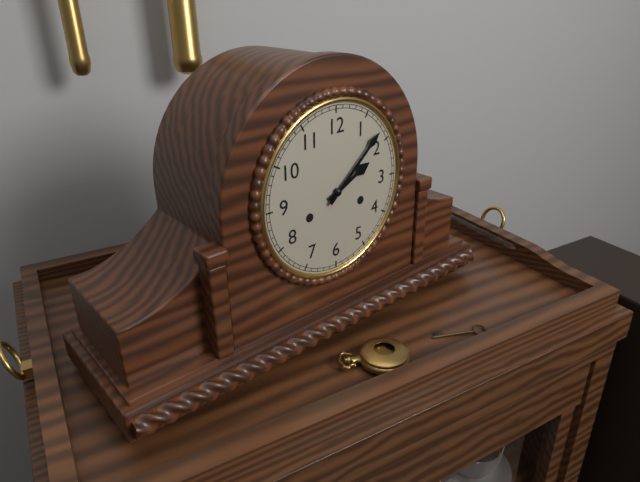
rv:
2h08
